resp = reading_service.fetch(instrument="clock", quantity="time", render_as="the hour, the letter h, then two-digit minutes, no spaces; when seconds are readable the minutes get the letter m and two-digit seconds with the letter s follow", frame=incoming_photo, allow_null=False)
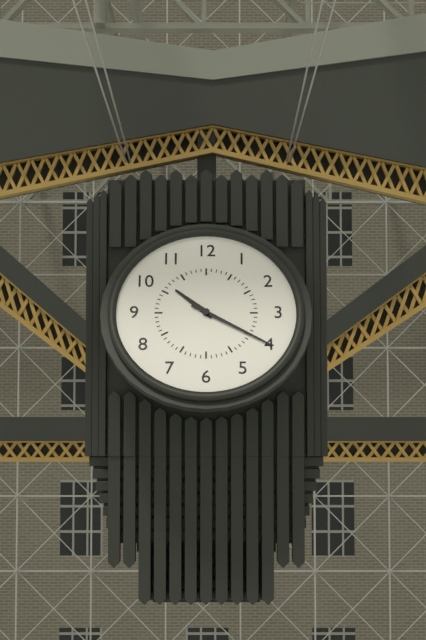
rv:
10h20
